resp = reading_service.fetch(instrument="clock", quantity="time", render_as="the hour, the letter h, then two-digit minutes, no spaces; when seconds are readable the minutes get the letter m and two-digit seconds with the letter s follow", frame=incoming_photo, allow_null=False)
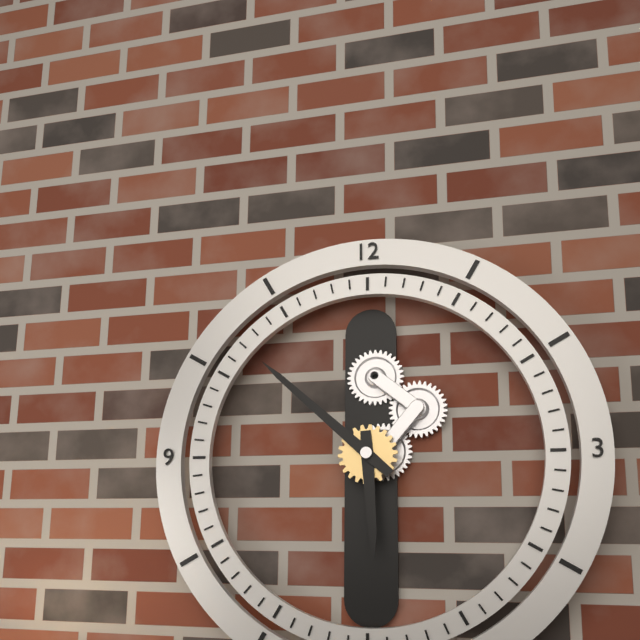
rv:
5h52
